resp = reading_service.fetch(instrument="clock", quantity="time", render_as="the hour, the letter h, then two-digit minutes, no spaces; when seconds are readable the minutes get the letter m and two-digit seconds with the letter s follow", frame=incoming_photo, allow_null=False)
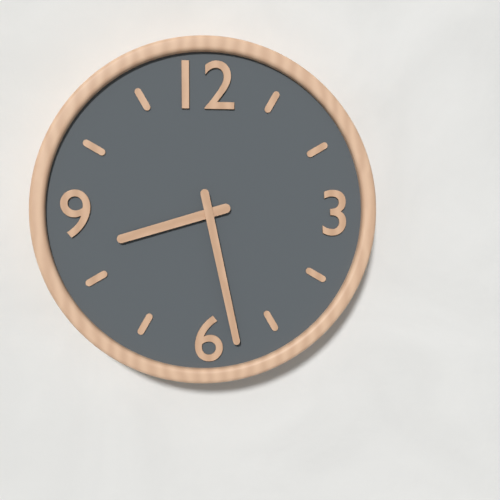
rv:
8h28
